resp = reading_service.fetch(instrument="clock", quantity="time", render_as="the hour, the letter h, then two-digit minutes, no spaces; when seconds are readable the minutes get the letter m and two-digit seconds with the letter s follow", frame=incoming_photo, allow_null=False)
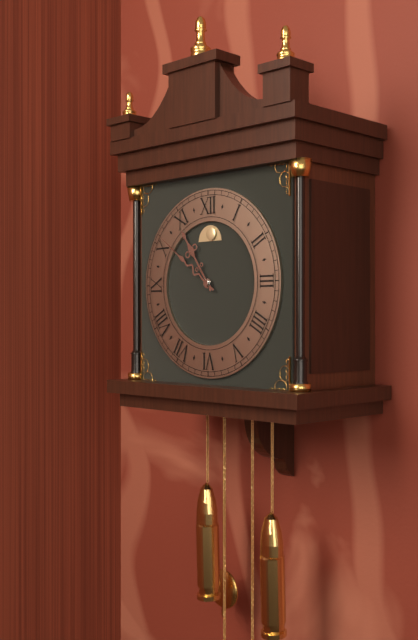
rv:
10h51
